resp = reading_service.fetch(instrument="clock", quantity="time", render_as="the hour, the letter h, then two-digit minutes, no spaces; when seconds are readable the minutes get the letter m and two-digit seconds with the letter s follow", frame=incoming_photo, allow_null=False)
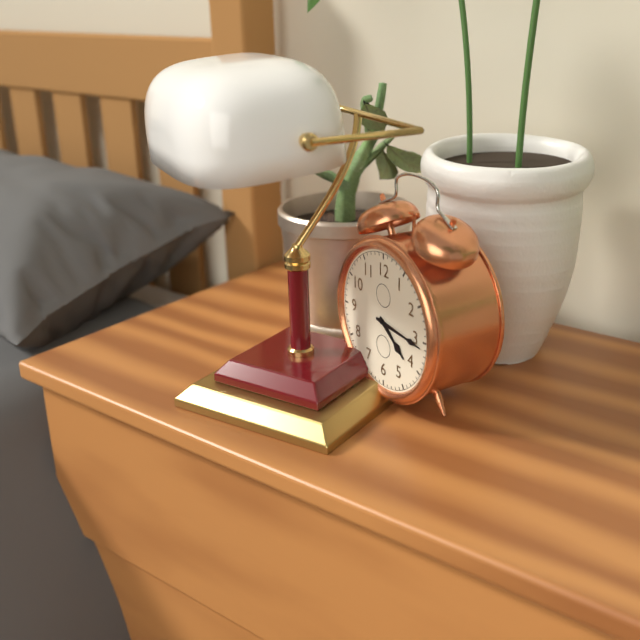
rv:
4h16
